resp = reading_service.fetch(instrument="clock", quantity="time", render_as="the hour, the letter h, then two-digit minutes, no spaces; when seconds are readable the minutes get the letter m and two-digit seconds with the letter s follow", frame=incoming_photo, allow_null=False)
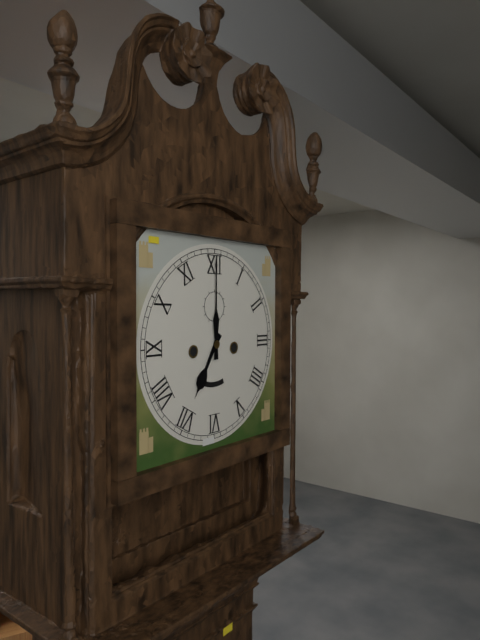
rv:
7h00
